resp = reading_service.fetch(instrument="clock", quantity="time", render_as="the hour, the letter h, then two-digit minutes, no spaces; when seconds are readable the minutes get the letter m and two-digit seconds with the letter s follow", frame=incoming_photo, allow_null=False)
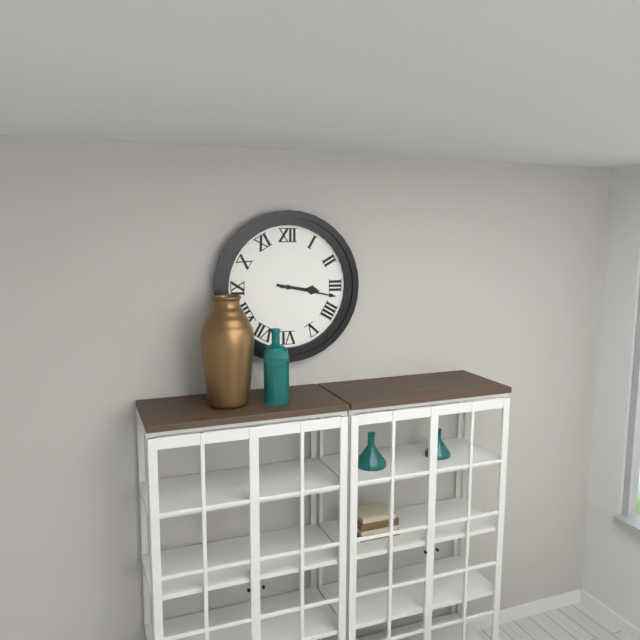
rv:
3h17
